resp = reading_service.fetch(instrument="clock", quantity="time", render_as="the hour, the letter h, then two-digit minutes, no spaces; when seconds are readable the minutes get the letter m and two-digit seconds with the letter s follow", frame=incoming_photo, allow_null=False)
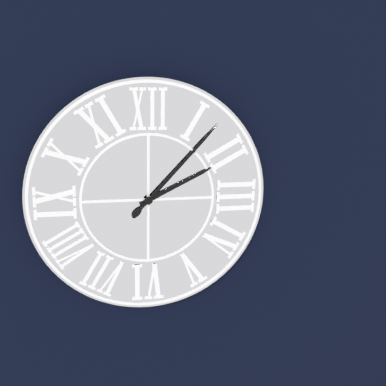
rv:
2h07
